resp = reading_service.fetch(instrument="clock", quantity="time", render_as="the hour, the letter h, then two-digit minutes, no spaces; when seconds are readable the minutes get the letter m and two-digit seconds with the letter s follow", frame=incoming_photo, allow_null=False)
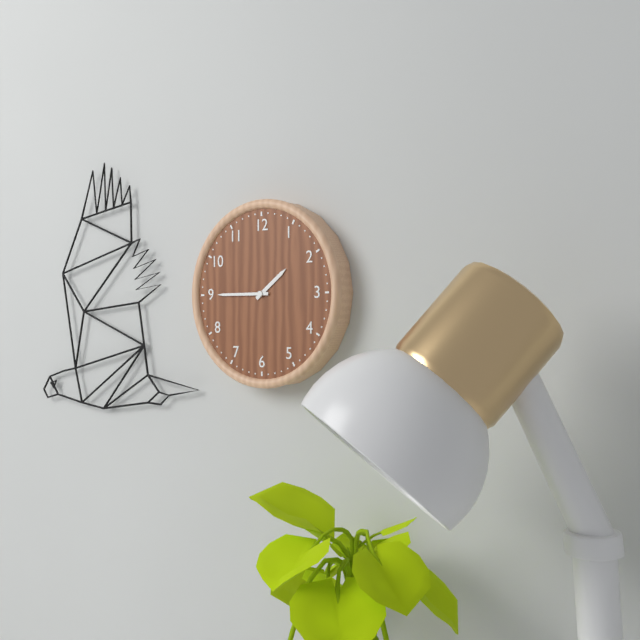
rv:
1h45
